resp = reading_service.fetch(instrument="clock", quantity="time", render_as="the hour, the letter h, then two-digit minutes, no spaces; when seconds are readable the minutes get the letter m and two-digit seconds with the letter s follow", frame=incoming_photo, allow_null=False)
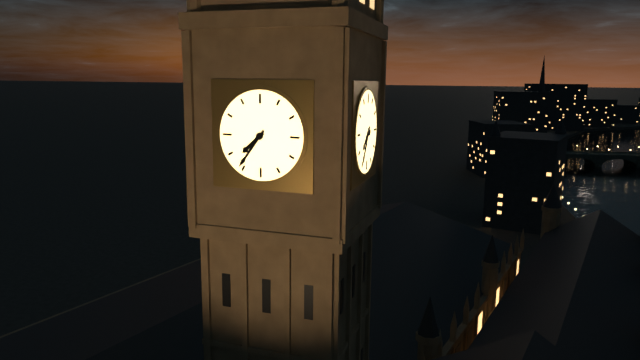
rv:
7h36
